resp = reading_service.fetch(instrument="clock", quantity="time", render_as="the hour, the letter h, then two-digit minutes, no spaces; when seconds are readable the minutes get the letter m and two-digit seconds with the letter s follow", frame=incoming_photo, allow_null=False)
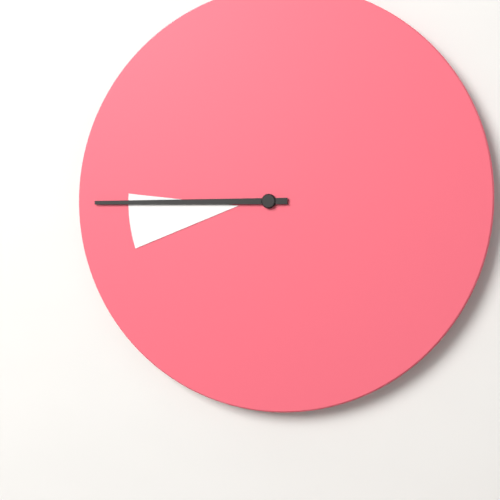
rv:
8h45
